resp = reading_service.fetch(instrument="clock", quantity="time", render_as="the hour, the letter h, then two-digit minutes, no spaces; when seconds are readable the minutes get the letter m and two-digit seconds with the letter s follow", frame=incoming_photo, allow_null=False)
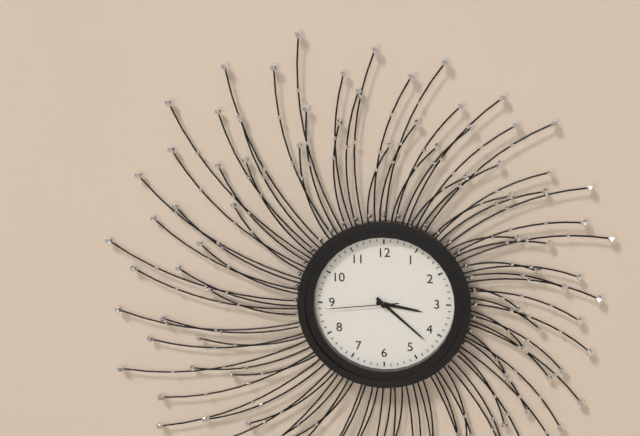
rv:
3h22m44s
